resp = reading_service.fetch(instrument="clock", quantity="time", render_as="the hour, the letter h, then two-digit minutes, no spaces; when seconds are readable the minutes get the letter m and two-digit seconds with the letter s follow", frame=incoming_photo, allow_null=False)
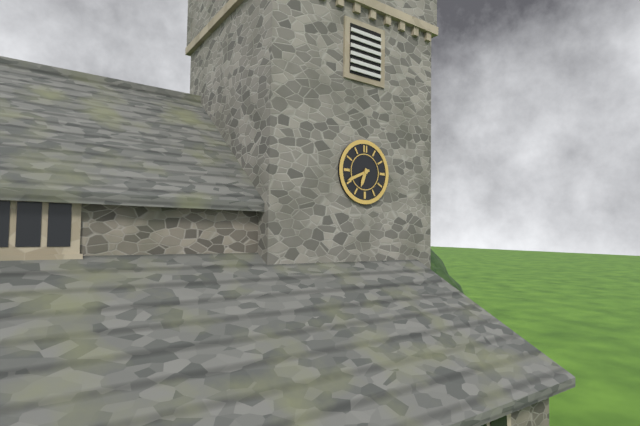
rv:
6h41
